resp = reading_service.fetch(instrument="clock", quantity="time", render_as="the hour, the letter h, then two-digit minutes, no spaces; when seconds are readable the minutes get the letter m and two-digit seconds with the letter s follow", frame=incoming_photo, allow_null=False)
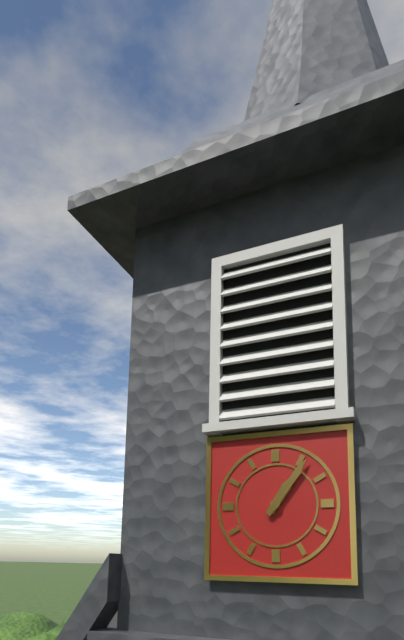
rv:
1h06
